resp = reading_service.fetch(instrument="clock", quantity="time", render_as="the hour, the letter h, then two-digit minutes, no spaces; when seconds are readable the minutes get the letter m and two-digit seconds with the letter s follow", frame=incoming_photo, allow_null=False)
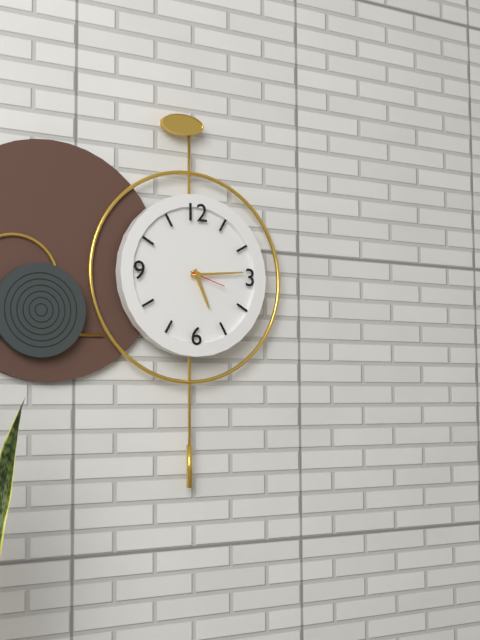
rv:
5h14
